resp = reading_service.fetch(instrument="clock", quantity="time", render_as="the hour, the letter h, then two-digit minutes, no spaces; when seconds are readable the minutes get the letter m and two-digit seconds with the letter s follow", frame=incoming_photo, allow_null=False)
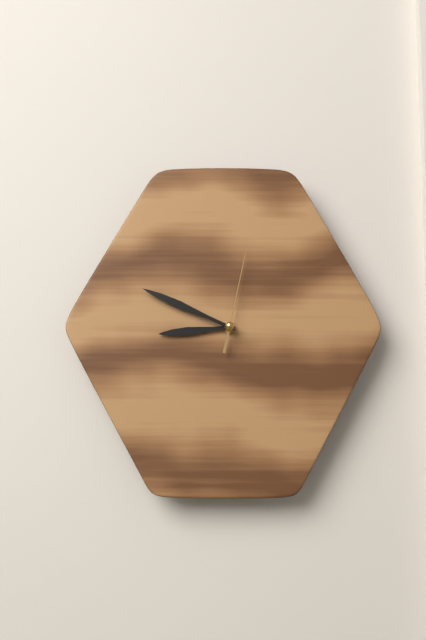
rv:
8h49m02s
